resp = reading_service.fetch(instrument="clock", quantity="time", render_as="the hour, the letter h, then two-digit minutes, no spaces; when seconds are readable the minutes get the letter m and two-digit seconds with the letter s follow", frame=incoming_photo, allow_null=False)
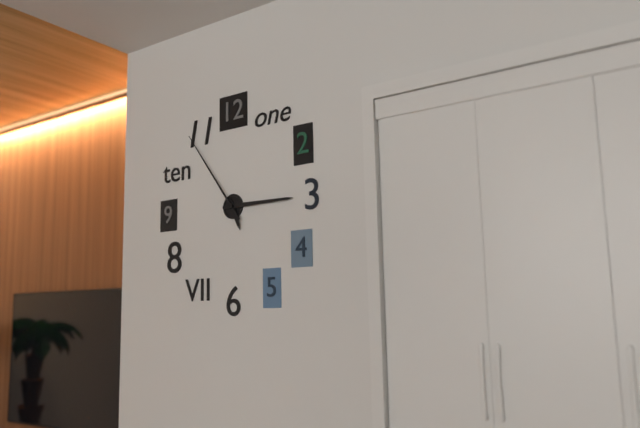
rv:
5h15m54s
